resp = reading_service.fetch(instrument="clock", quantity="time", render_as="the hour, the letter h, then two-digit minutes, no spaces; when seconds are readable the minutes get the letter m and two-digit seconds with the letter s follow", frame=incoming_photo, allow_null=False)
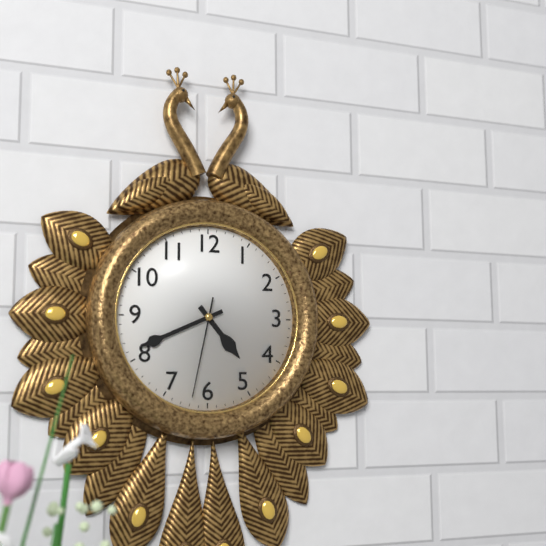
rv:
4h41m32s
